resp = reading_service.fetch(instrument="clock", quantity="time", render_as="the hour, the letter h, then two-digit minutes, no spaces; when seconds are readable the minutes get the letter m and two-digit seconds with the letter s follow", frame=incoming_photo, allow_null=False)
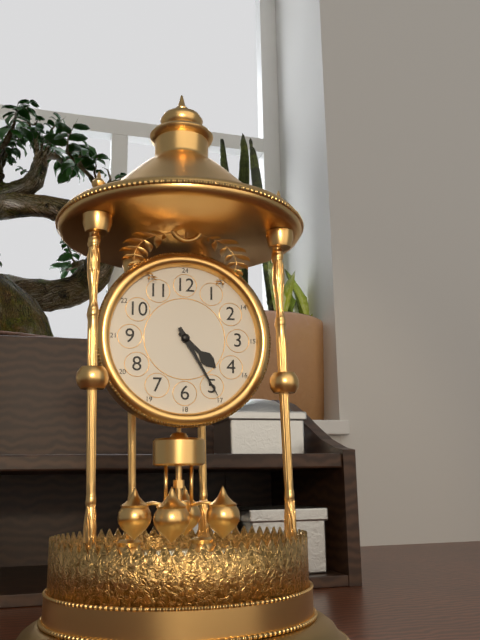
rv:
4h25
